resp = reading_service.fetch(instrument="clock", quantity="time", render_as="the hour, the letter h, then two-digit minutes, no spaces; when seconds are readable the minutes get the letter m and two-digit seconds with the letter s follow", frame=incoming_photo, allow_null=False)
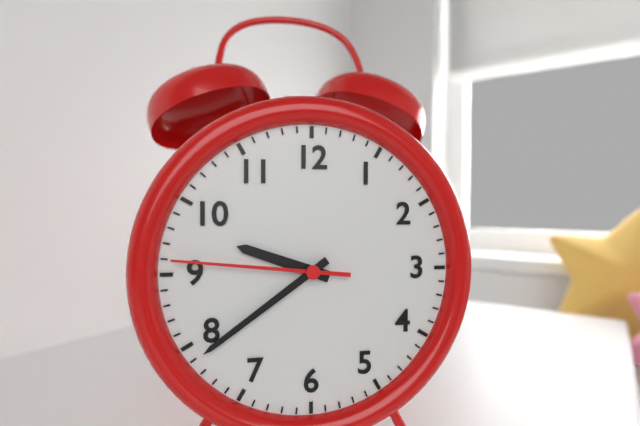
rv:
9h39m46s
